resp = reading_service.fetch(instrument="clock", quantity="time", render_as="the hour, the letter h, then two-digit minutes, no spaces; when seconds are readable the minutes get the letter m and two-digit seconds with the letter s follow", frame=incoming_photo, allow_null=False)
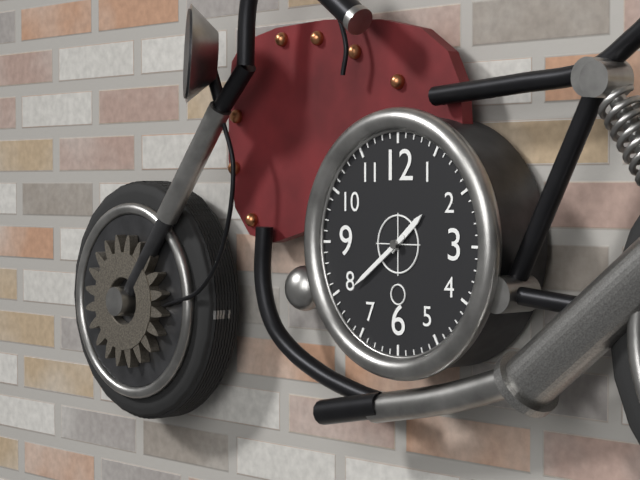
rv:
1h39
